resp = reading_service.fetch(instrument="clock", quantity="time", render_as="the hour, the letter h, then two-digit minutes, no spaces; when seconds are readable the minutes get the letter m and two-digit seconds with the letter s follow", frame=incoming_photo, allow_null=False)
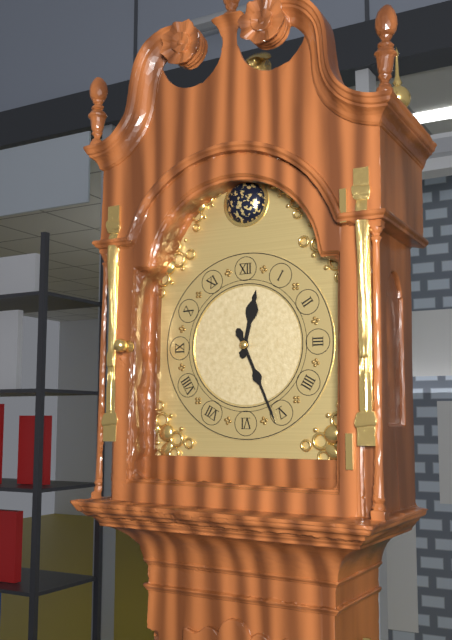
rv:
12h26
